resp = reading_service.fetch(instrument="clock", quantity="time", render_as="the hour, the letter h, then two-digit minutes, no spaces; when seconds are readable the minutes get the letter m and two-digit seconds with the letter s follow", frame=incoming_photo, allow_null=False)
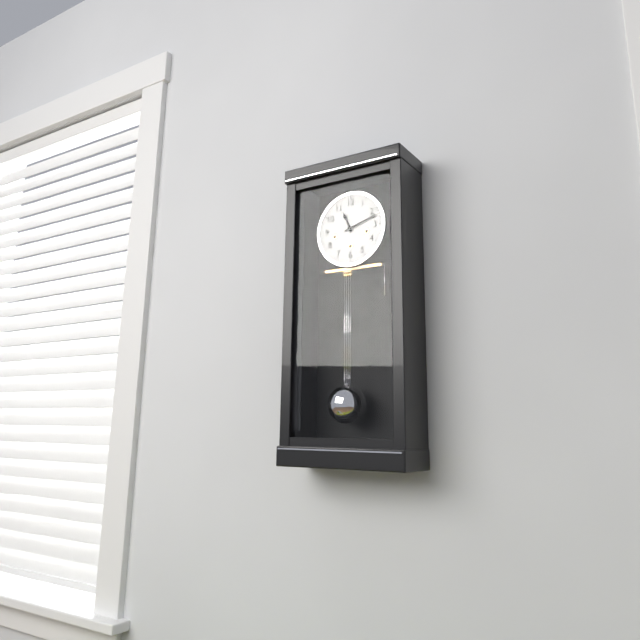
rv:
11h12
